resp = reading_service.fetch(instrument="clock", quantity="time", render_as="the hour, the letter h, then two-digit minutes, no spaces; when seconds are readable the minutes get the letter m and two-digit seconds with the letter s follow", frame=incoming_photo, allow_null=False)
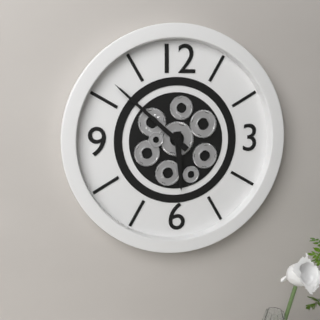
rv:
5h52
